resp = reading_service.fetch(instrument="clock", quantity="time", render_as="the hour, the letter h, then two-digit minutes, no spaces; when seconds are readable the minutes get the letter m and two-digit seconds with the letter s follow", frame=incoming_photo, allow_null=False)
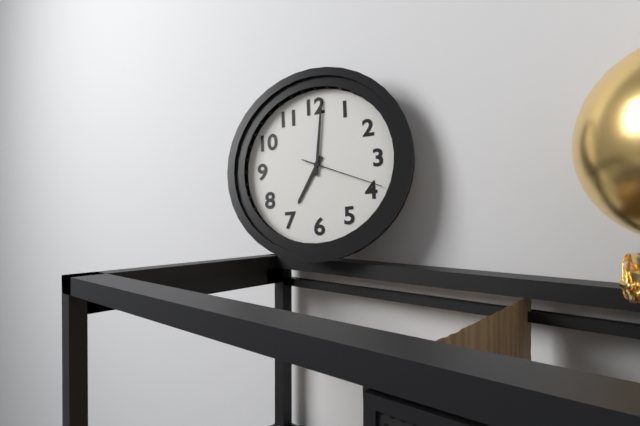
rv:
7h01m19s
